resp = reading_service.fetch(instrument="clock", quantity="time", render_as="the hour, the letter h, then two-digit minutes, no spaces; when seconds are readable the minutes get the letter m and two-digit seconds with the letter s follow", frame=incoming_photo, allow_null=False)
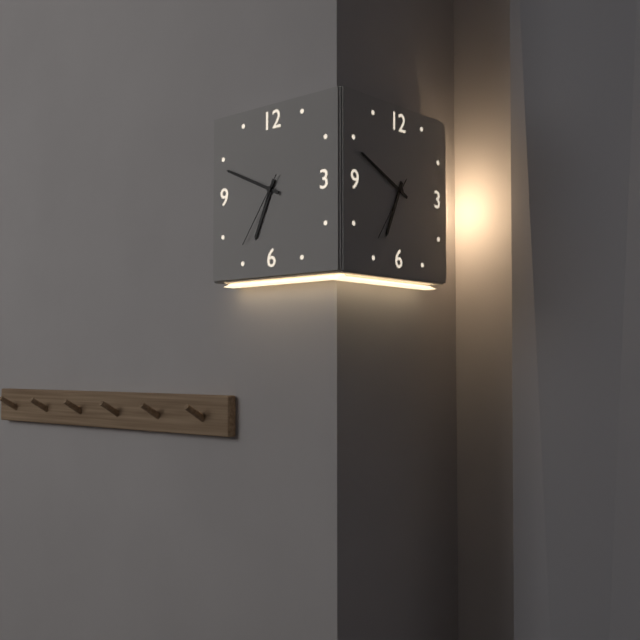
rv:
6h49m36s
